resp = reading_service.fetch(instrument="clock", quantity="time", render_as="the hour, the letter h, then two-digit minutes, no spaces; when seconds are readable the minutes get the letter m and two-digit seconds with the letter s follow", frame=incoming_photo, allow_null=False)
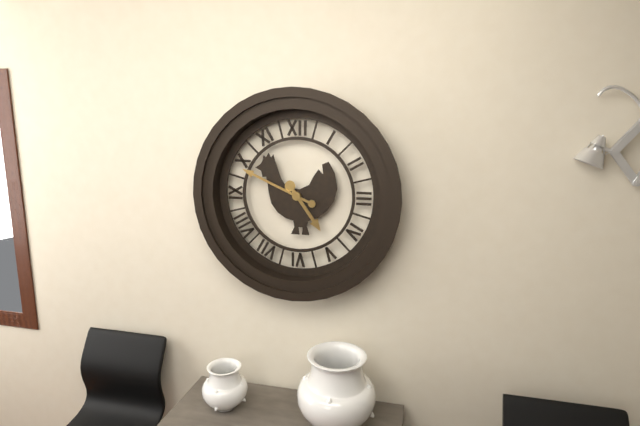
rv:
4h49
